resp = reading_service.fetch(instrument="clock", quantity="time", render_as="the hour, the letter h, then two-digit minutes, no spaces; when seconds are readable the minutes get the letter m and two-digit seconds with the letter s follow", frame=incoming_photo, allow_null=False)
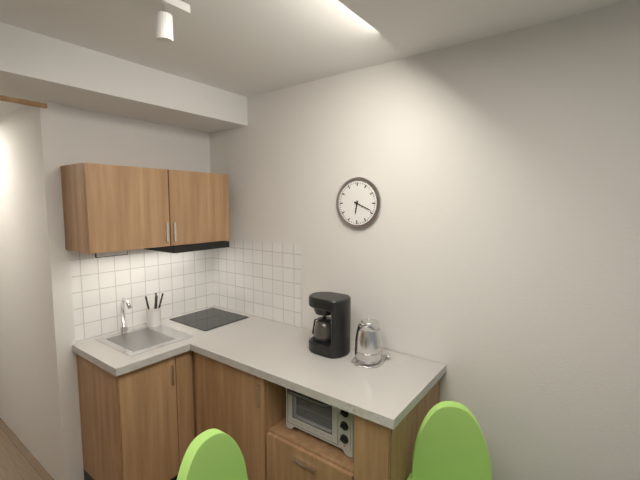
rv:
6h19
